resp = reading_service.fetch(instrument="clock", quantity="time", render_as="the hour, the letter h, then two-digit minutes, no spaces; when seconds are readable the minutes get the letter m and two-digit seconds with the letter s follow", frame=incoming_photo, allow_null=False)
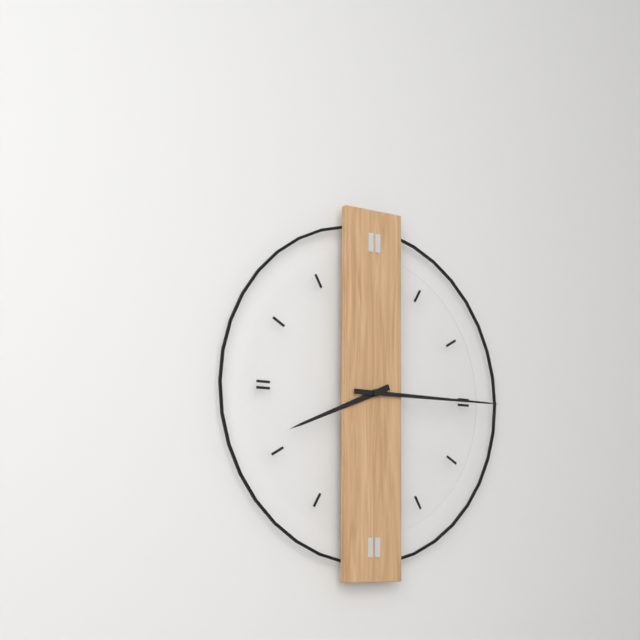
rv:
8h15
